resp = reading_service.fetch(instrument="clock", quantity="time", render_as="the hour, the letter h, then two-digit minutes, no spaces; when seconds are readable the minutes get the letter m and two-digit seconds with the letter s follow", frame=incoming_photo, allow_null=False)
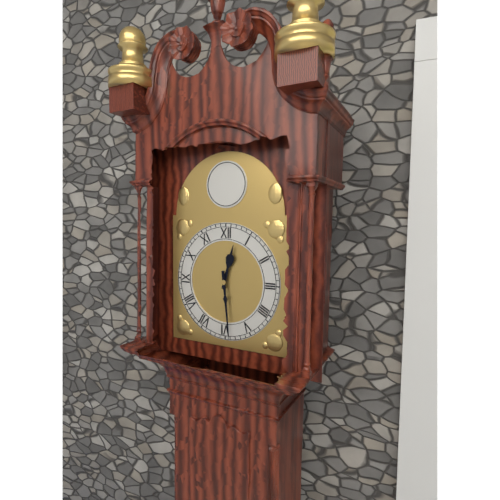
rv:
12h29
